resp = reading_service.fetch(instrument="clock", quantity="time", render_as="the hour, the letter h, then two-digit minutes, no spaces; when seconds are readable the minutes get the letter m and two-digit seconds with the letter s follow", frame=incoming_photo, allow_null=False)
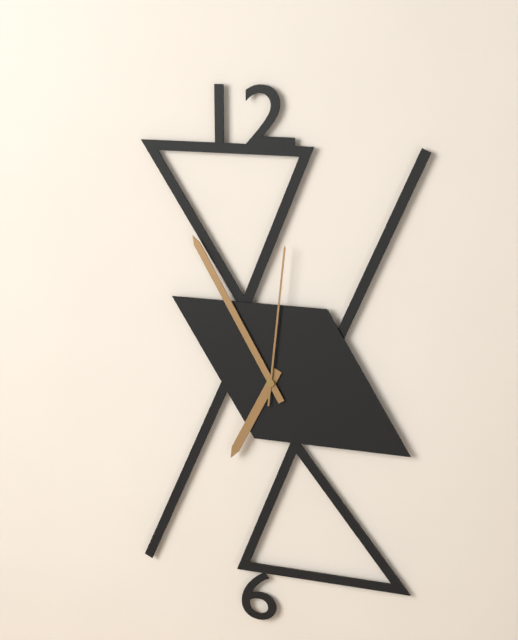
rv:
6h55m01s
